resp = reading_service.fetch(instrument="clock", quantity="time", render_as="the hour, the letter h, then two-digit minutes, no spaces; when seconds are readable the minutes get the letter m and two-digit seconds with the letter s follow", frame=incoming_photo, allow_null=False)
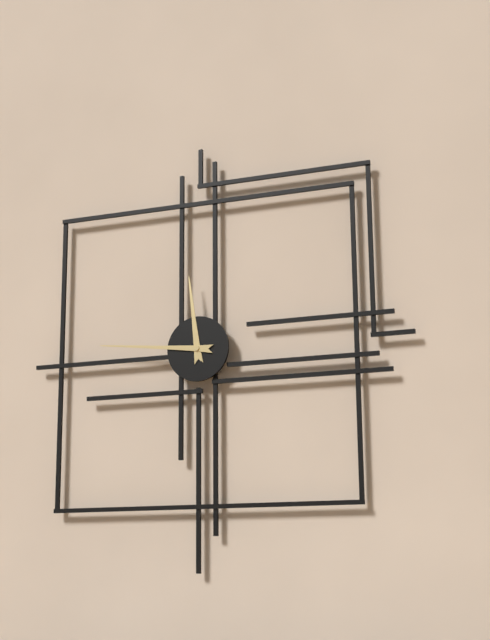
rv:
11h46
